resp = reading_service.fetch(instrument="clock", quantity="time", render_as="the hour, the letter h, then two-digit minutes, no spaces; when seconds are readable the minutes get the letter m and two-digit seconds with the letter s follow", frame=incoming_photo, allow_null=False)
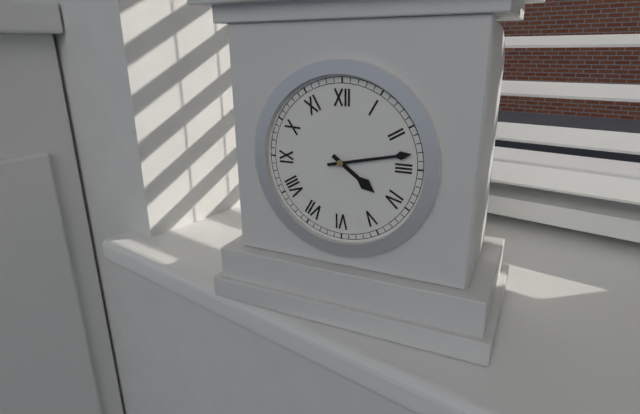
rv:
4h13
